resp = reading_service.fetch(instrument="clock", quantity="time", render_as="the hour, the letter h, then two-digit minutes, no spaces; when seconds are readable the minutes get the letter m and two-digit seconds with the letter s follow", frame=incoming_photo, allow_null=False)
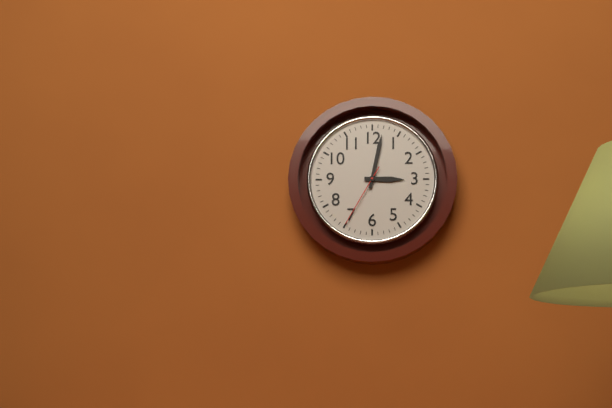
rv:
3h02m35s
